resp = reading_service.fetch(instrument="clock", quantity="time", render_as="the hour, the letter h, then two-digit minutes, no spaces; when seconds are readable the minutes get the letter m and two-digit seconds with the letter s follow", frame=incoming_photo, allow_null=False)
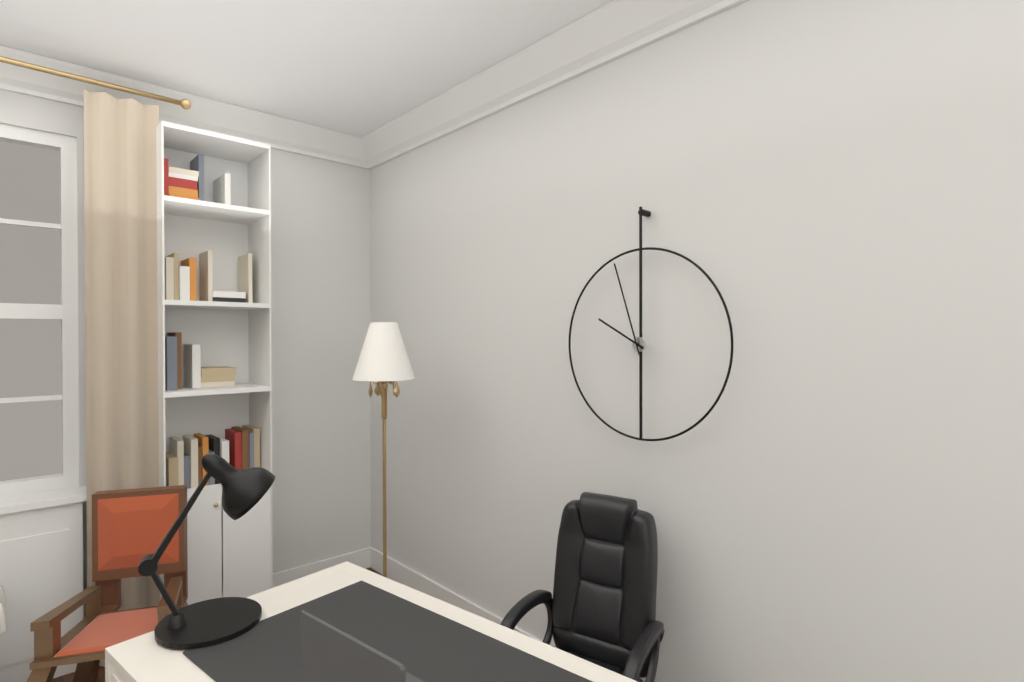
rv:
9h57
